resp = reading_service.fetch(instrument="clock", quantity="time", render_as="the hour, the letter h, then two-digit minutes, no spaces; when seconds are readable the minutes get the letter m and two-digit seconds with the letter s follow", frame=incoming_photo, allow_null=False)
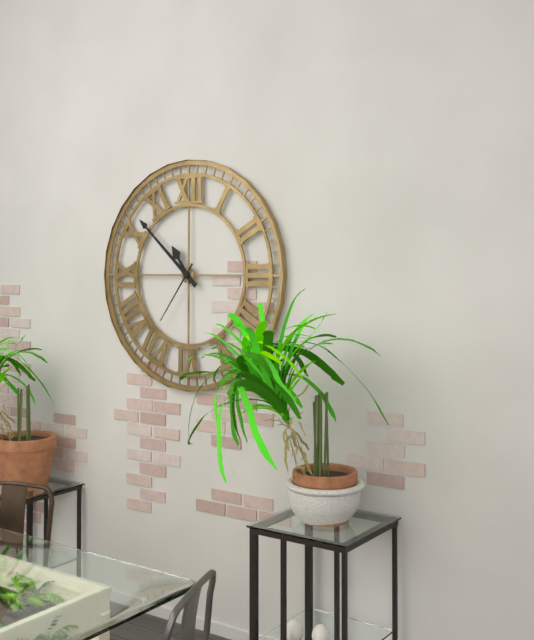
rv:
10h52m36s
